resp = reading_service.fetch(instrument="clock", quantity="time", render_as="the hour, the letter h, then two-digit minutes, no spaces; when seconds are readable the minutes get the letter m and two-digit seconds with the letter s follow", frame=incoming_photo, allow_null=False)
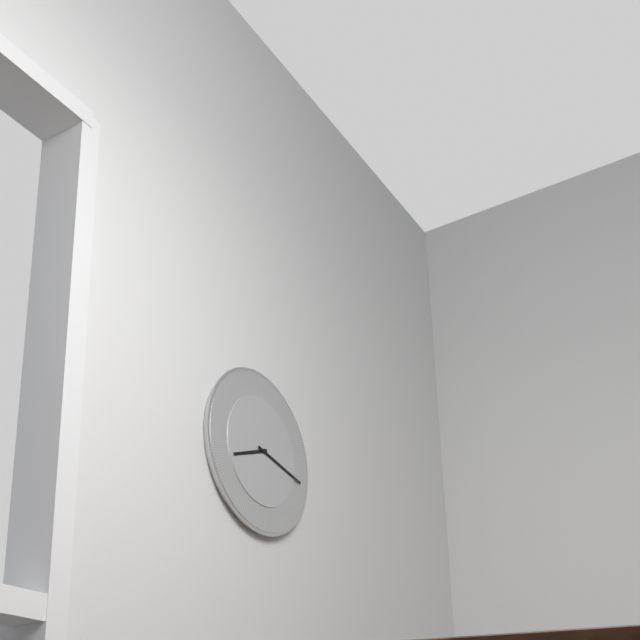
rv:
8h17
